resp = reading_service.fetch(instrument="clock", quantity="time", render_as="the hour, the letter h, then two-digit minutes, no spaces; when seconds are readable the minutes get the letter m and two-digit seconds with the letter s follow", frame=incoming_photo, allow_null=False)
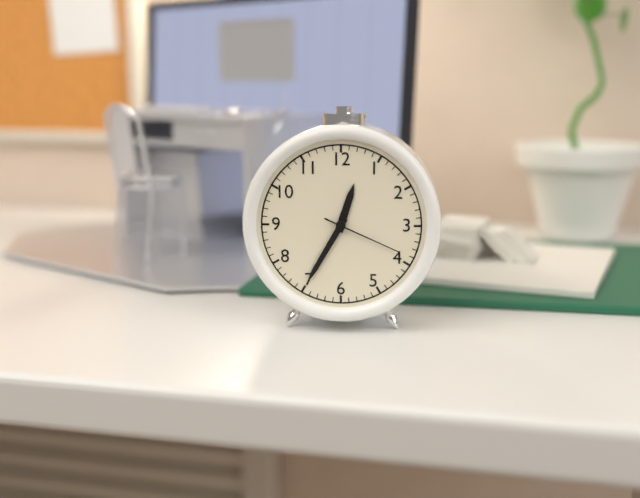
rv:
12h35m19s
